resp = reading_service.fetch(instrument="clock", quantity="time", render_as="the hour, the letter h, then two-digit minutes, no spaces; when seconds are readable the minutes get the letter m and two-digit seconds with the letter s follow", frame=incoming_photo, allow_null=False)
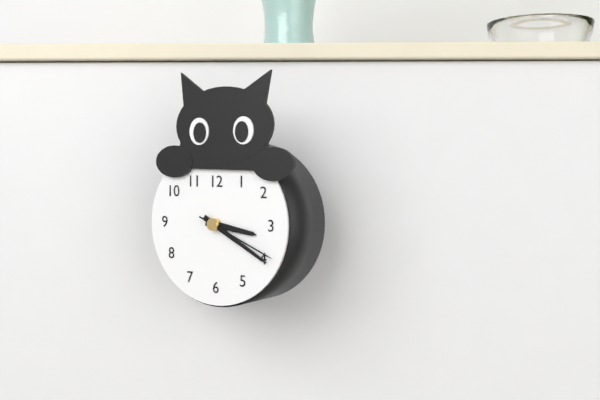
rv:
3h20m19s
